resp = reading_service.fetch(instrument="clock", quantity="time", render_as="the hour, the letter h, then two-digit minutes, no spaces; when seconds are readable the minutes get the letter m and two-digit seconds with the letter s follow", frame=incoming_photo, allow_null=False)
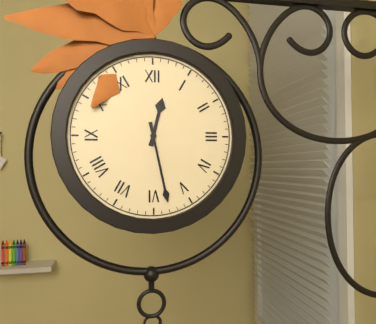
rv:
12h28
